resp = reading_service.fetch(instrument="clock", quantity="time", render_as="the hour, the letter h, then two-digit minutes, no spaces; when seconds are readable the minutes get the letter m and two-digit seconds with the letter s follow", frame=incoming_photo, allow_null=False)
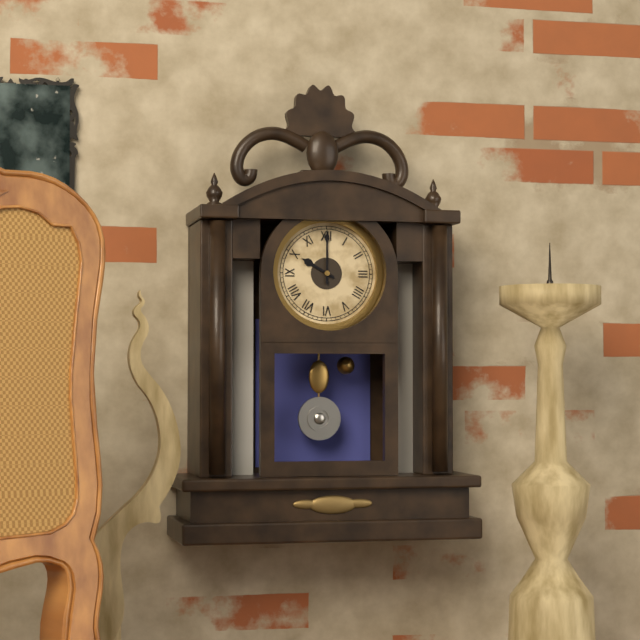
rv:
10h00
